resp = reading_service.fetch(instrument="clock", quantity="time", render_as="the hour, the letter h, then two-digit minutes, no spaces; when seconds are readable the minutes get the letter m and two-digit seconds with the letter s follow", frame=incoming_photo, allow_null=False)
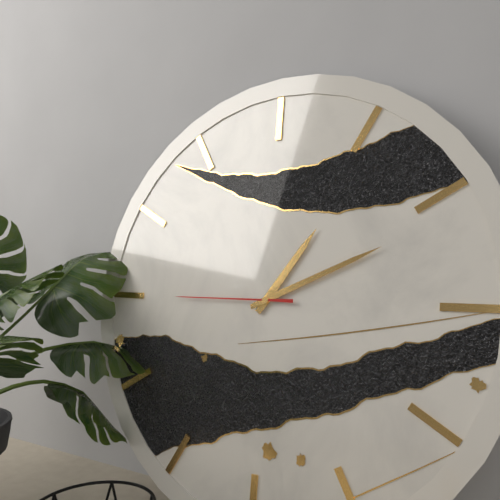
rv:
1h11m45s
